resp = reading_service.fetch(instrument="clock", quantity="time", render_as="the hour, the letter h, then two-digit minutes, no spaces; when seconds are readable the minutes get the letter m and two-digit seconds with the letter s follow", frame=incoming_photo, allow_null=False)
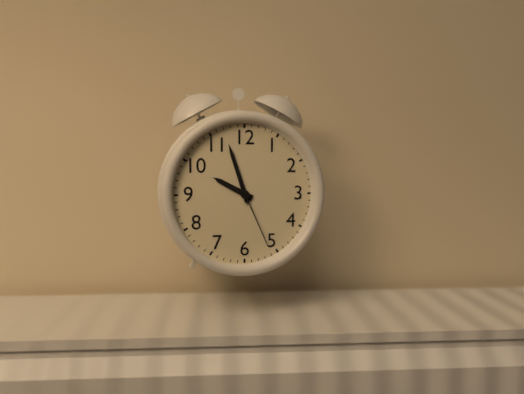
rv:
9h57m26s
